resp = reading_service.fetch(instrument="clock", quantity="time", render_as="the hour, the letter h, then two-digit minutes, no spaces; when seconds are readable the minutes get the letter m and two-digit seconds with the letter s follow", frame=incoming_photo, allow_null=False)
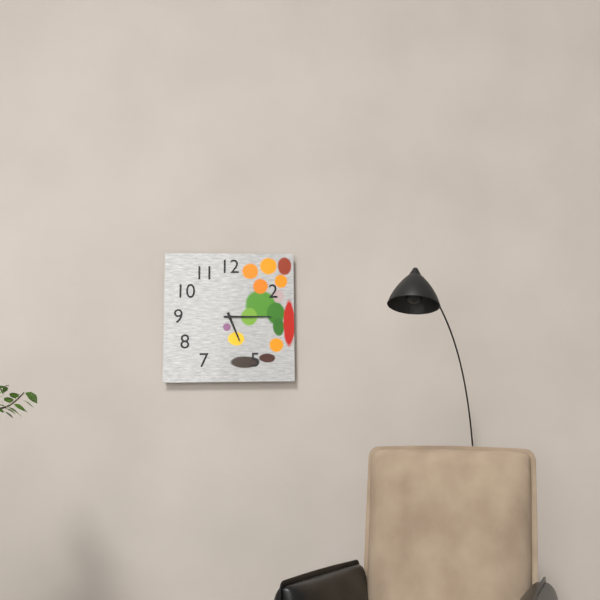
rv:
5h15
